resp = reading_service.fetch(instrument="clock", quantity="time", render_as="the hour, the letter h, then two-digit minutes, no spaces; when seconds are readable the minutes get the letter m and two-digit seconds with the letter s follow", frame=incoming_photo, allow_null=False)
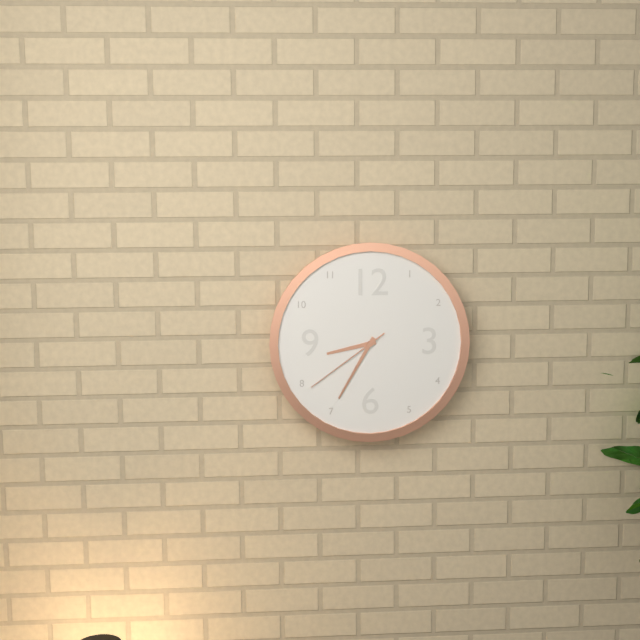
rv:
8h35m39s
